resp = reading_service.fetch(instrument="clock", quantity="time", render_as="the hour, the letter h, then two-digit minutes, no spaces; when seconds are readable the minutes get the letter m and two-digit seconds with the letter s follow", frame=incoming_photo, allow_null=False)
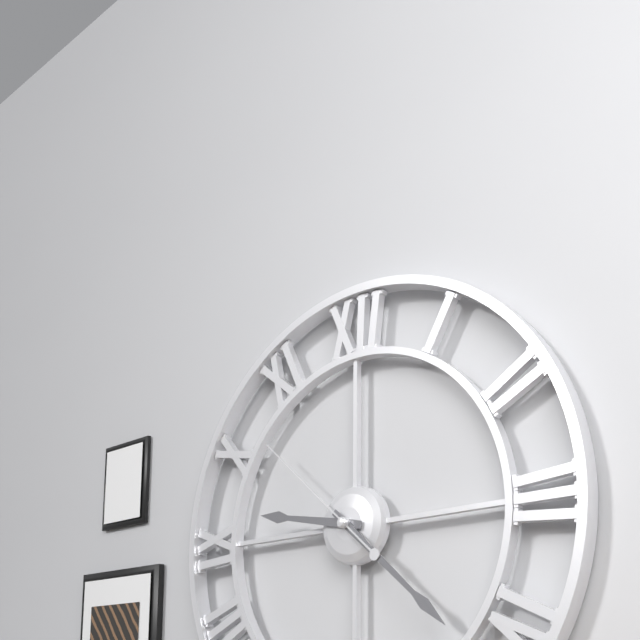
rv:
9h22m52s
